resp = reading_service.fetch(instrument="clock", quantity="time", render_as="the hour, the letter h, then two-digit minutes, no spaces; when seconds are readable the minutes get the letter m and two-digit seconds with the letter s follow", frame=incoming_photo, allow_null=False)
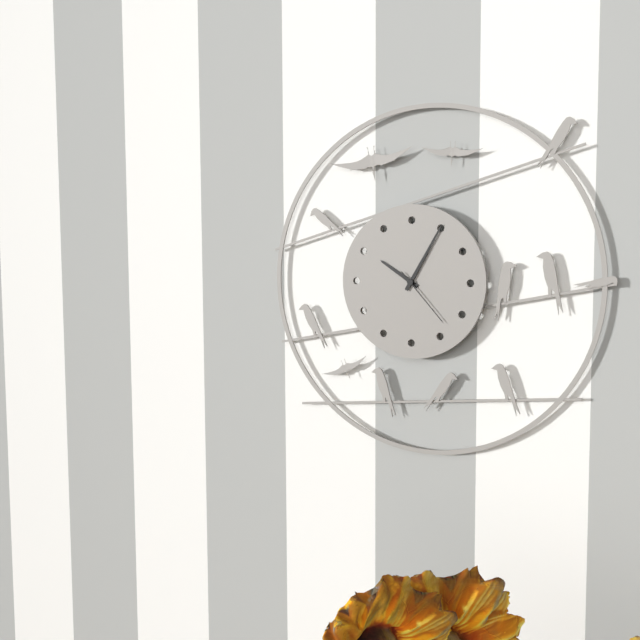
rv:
10h05m23s
